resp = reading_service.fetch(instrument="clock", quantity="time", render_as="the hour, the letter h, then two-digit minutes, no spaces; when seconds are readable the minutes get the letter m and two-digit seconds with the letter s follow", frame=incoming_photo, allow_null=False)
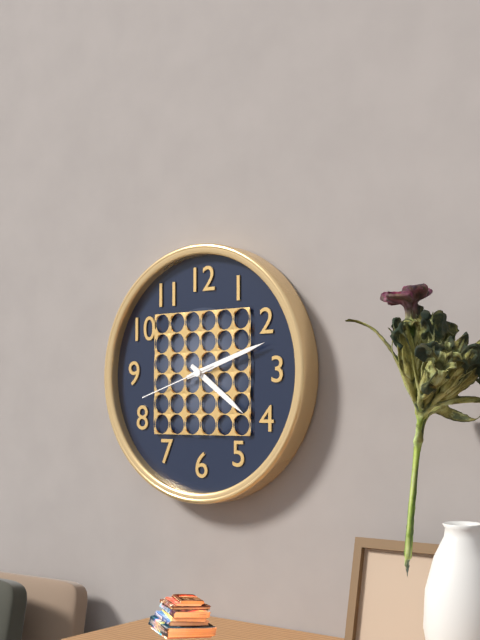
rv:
4h12m42s
